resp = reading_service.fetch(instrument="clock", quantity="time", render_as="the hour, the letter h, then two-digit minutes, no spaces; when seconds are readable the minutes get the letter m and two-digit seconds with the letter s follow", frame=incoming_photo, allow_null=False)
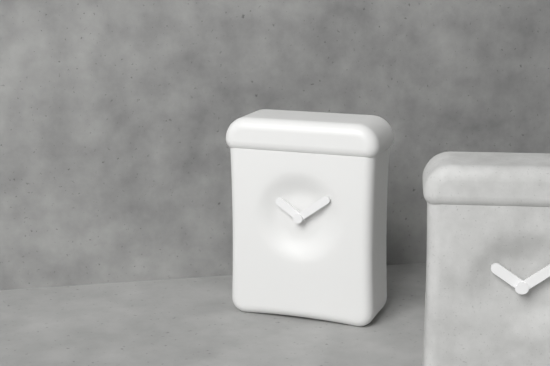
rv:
10h09
